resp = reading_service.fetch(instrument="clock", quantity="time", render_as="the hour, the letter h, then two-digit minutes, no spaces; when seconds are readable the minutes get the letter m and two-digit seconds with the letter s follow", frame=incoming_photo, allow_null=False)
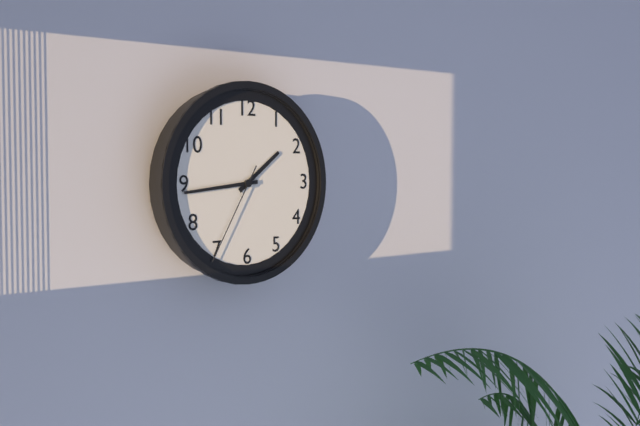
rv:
1h44m35s
